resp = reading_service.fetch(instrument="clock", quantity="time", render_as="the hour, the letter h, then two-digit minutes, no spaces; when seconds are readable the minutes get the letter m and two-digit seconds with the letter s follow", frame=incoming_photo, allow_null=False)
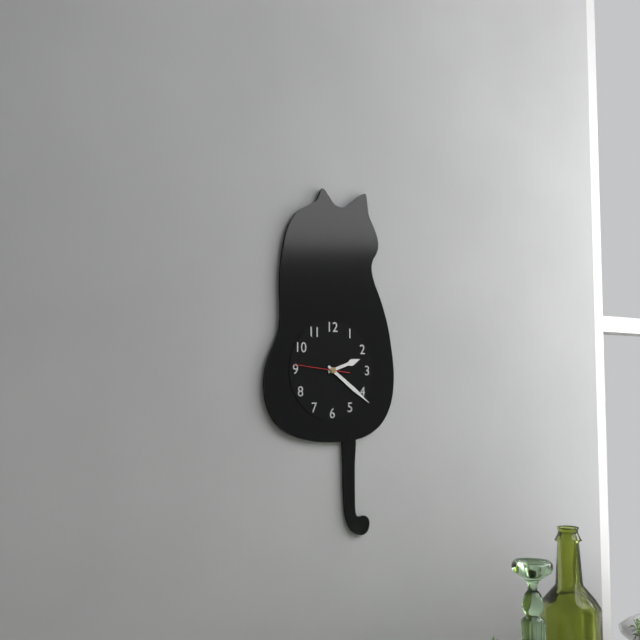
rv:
2h21
